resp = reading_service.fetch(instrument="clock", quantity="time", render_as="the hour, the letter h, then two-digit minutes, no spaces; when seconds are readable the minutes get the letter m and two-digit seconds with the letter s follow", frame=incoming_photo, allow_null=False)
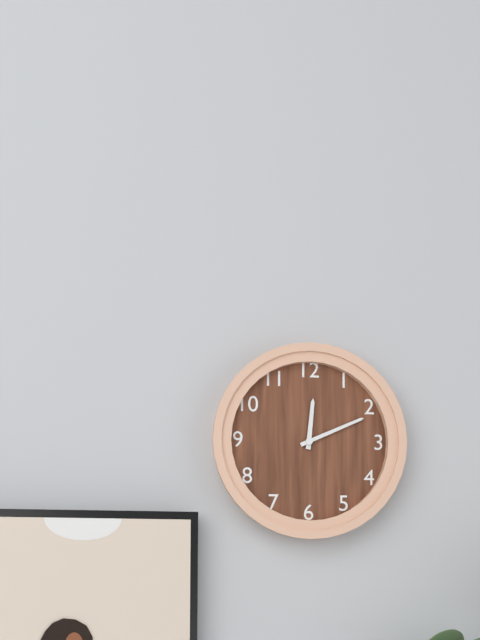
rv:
12h11
